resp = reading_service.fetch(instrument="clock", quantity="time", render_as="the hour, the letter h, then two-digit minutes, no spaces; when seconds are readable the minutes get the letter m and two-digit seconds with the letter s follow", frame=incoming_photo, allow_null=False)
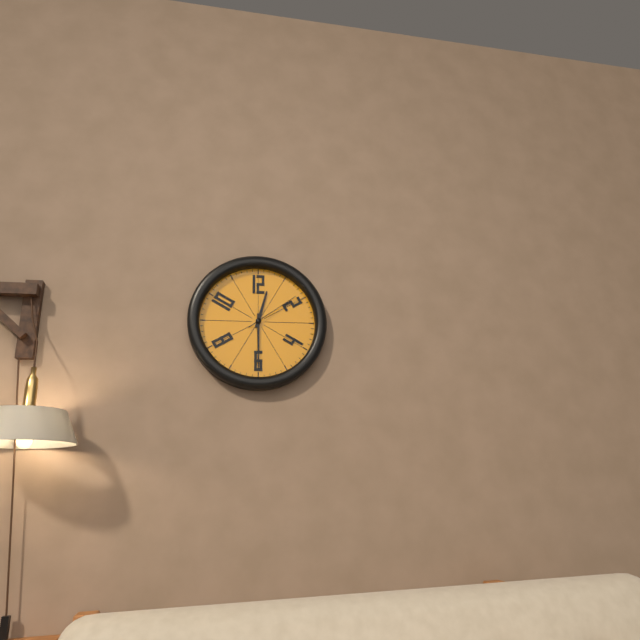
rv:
12h30m09s
